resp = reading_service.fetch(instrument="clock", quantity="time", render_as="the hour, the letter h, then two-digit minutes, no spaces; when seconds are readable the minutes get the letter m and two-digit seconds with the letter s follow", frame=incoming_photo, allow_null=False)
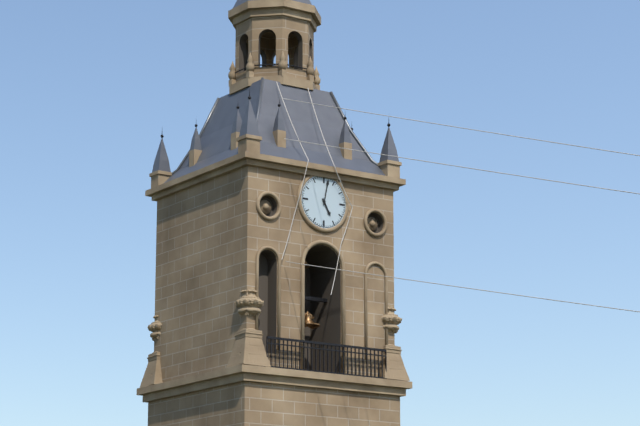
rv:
5h02
